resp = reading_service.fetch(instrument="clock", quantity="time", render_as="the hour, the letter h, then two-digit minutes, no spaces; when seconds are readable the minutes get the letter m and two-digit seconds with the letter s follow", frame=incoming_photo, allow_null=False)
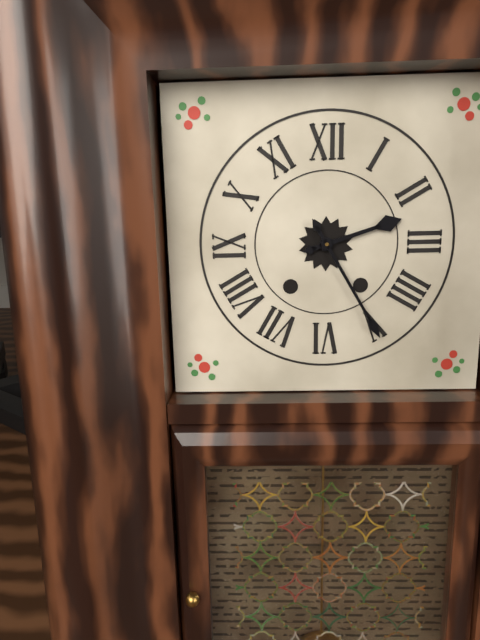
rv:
2h25
